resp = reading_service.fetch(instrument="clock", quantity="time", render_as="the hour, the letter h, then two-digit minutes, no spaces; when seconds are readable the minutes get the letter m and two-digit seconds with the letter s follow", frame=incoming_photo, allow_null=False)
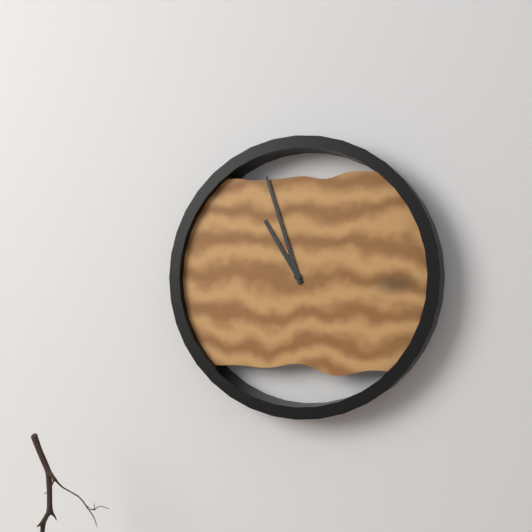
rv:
10h57
